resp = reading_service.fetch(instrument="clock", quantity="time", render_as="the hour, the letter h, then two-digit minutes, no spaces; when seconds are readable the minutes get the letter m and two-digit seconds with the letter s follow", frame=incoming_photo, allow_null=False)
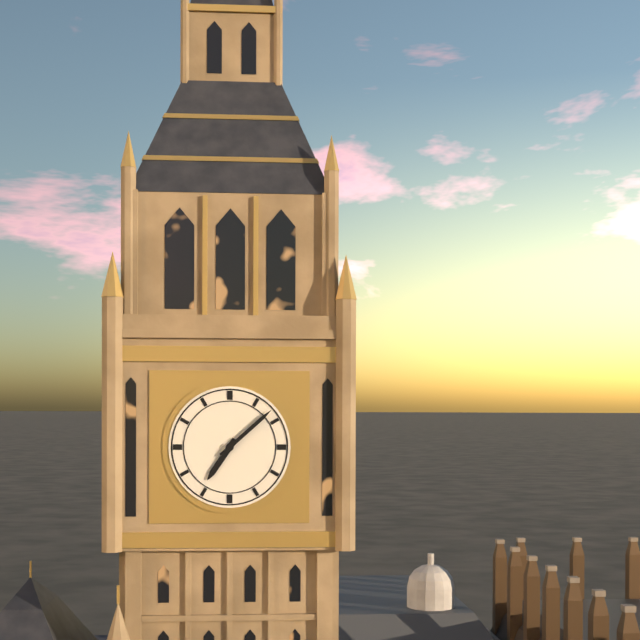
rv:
7h08
